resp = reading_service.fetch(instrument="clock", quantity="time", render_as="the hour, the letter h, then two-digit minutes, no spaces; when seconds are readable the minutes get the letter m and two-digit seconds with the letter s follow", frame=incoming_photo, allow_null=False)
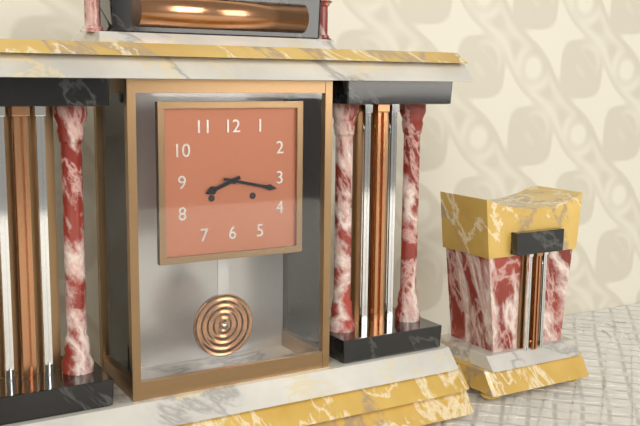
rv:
8h17
